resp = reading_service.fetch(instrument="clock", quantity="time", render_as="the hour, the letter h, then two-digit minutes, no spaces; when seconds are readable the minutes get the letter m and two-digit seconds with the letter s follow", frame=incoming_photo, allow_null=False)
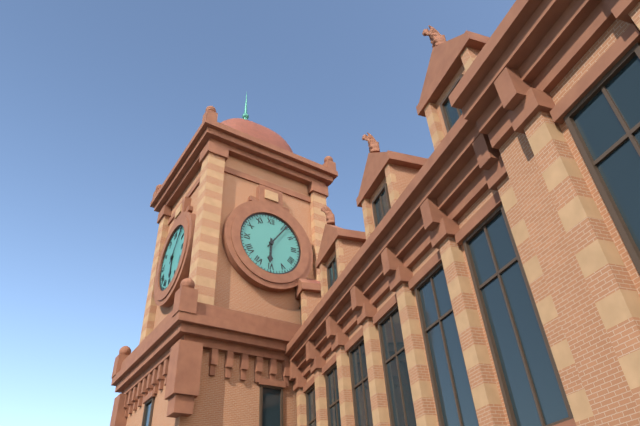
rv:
6h06
